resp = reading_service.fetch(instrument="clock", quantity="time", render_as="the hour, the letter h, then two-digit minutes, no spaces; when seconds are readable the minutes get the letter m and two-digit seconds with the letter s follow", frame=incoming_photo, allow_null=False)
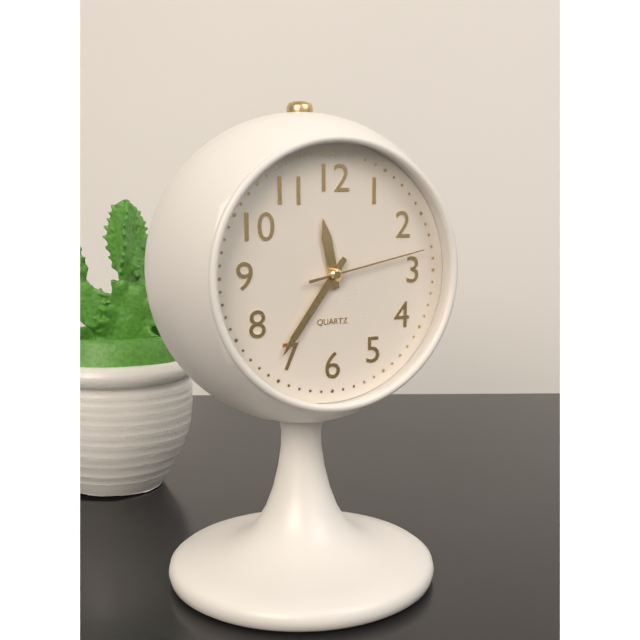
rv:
11h36m13s
